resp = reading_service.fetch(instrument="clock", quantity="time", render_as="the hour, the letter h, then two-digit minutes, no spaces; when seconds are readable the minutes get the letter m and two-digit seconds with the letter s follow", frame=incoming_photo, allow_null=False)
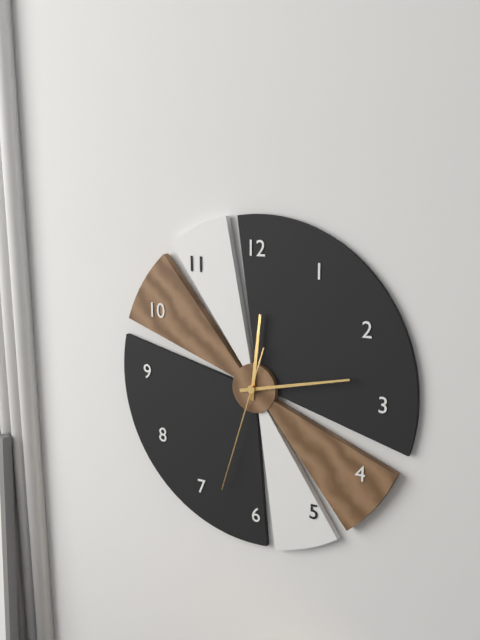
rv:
12h13m33s
